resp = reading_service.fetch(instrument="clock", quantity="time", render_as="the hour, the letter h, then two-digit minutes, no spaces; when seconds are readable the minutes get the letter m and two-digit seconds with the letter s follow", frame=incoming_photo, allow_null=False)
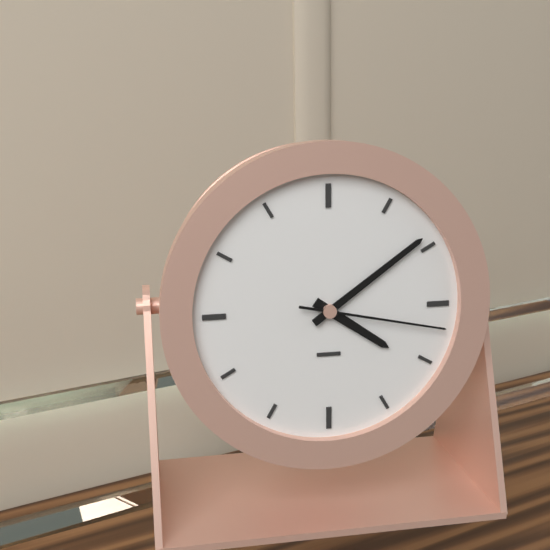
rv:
4h09m17s
